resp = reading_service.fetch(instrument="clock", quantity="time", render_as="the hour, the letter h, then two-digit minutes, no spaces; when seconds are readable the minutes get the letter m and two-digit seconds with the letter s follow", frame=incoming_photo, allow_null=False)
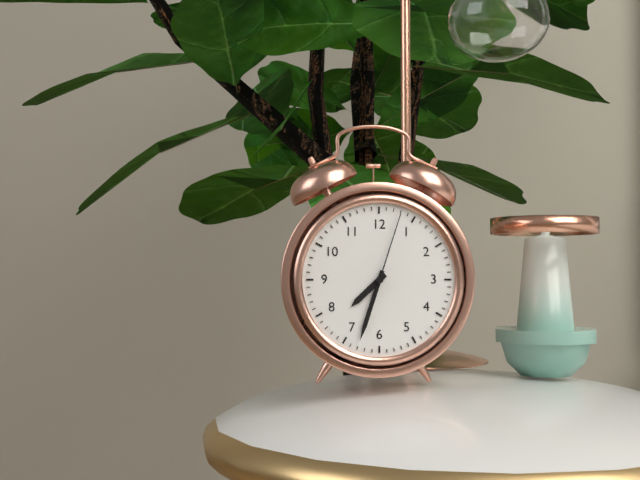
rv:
7h33m03s
